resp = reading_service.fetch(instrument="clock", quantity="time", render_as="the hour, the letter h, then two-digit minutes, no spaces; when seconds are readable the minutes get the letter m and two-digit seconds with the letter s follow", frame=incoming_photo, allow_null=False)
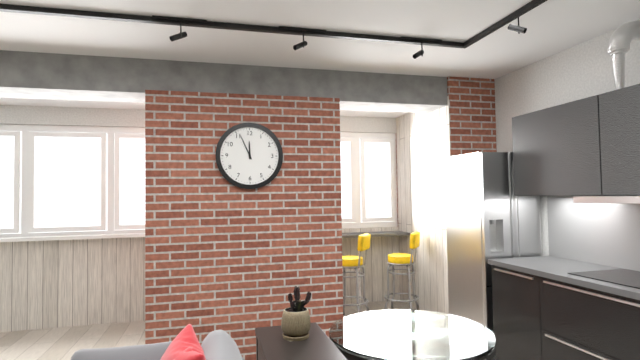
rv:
11h56
